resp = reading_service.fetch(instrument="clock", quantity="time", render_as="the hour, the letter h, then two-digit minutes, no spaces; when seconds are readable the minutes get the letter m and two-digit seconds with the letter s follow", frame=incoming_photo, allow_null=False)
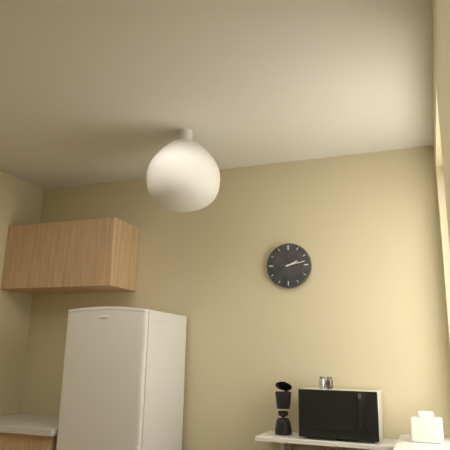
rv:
2h13
